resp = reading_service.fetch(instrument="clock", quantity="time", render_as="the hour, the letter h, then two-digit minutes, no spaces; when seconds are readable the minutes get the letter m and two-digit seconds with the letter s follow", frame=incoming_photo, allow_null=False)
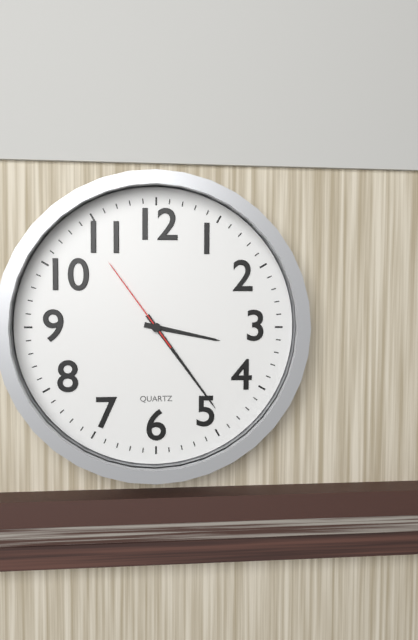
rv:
3h24m54s
